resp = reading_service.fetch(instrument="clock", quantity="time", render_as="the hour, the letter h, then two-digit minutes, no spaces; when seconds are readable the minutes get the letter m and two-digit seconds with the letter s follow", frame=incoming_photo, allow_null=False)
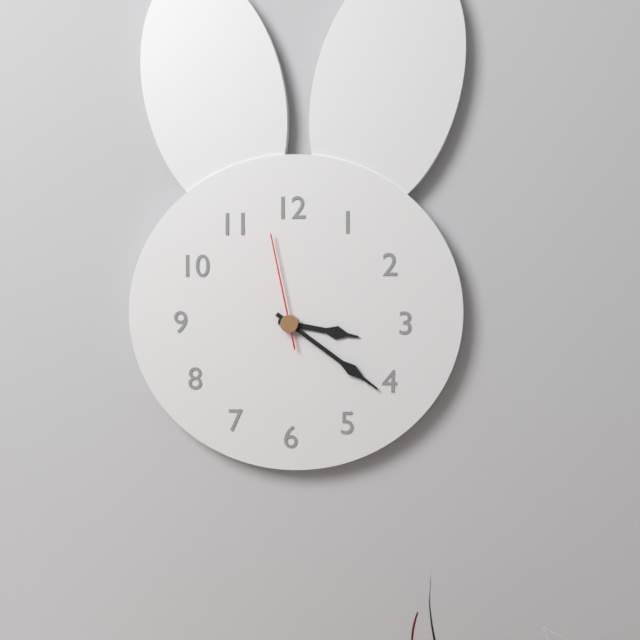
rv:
3h21m58s
